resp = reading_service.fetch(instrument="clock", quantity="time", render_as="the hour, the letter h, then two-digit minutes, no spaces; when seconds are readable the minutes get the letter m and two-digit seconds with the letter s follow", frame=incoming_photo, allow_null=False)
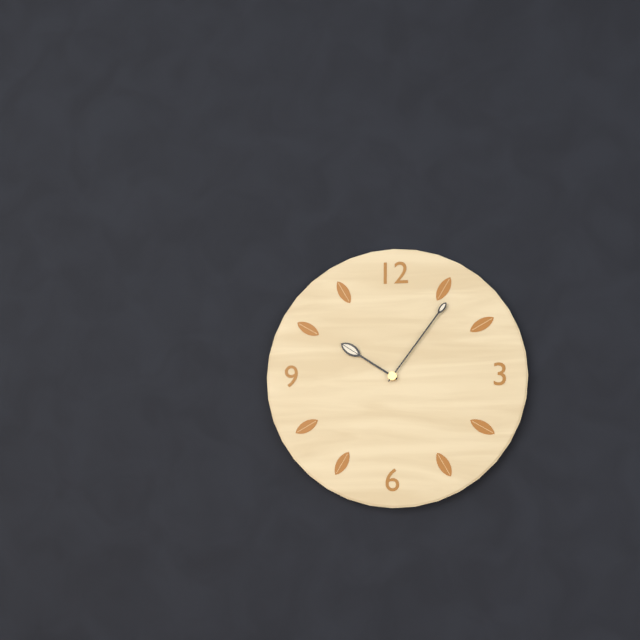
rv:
10h06
